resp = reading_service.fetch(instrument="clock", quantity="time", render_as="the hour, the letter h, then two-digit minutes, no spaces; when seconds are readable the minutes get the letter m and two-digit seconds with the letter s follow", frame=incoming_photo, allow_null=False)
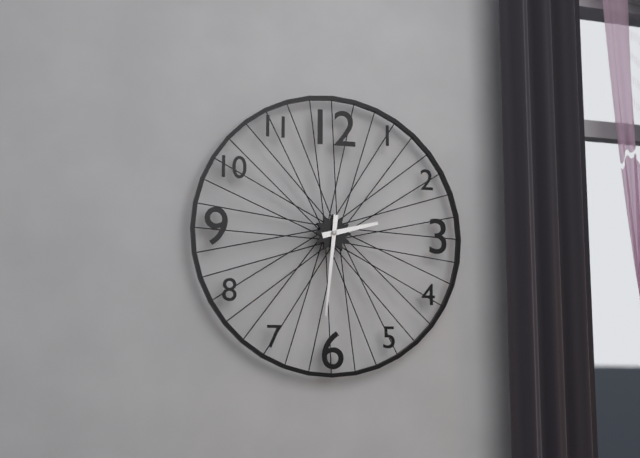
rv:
2h31
